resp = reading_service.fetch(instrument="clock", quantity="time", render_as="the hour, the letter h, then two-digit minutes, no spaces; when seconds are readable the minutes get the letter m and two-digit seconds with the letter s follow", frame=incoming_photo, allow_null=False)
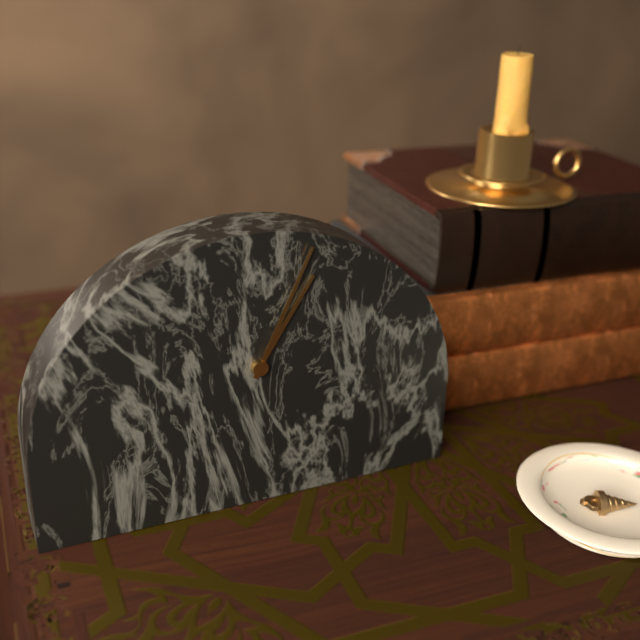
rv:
1h04
